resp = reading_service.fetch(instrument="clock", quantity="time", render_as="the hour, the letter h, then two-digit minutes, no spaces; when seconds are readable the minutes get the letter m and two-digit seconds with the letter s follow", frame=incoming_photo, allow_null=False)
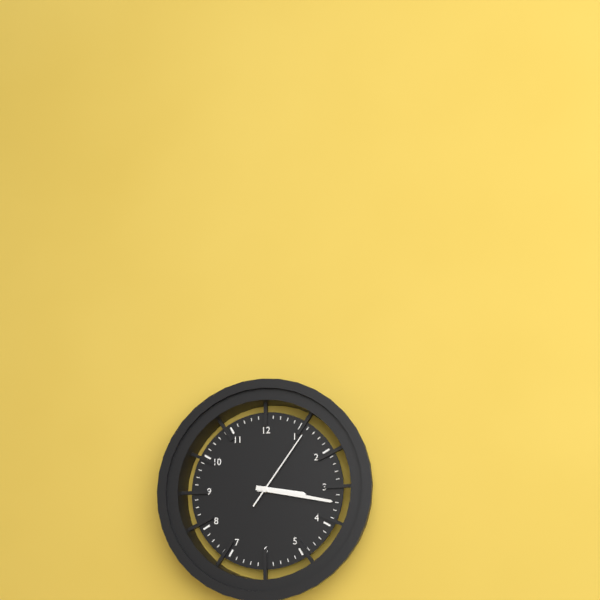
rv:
3h17m06s
